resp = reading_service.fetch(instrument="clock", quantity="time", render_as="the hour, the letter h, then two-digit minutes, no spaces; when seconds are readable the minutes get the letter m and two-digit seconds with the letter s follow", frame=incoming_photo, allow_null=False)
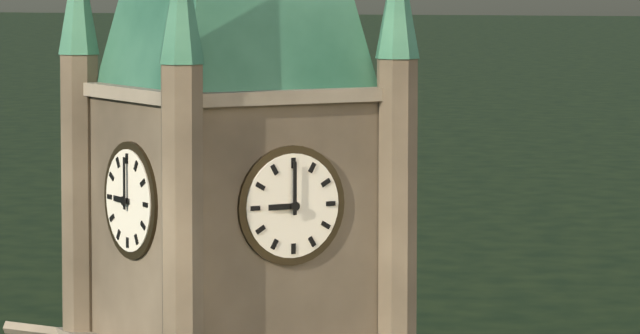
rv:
9h00
